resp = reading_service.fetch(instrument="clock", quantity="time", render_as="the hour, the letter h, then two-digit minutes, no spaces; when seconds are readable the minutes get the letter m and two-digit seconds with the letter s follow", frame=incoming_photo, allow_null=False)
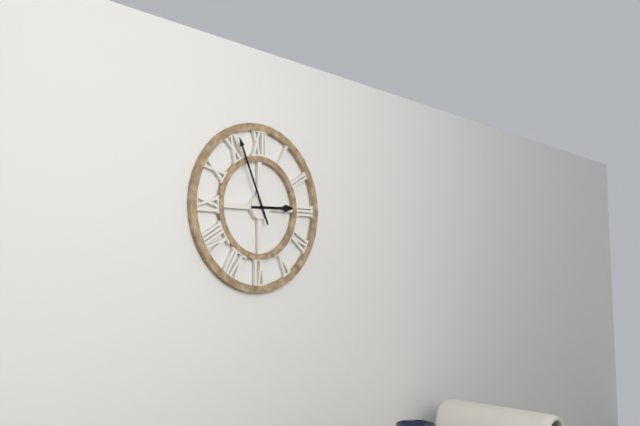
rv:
2h56
